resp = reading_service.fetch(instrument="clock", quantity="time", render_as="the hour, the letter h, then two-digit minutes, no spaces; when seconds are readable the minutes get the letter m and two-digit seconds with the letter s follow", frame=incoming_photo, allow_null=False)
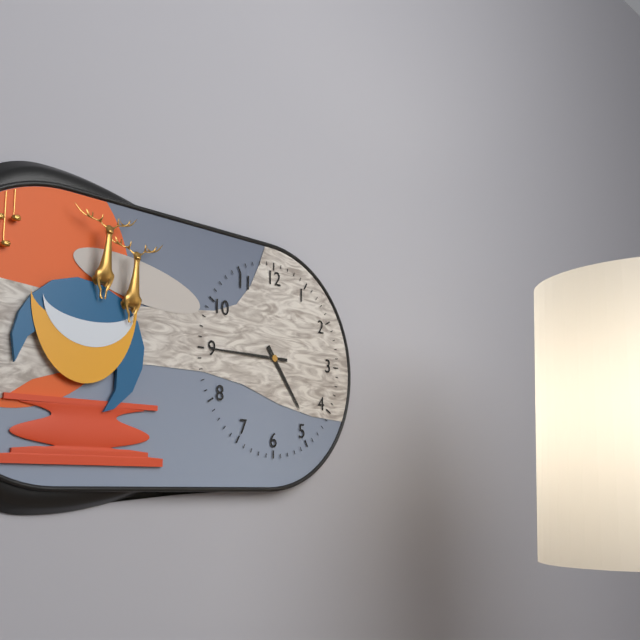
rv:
4h45
